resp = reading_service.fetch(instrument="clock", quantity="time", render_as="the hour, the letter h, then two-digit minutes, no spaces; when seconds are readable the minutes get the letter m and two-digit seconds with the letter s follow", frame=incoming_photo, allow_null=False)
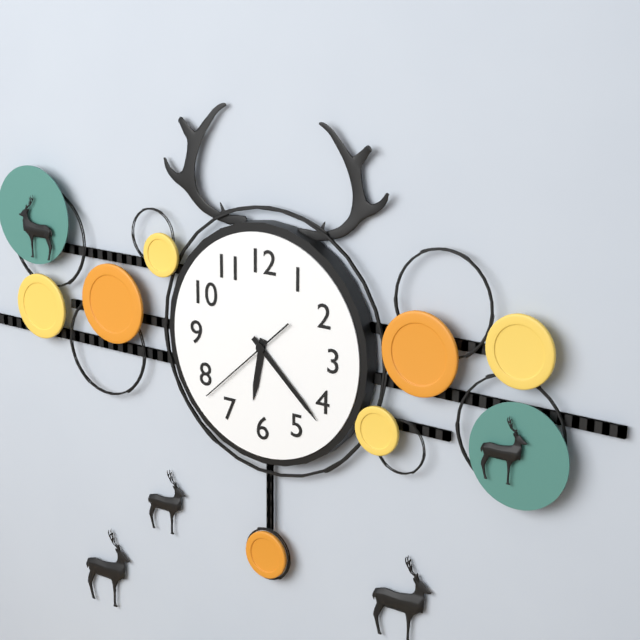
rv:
6h22m38s
